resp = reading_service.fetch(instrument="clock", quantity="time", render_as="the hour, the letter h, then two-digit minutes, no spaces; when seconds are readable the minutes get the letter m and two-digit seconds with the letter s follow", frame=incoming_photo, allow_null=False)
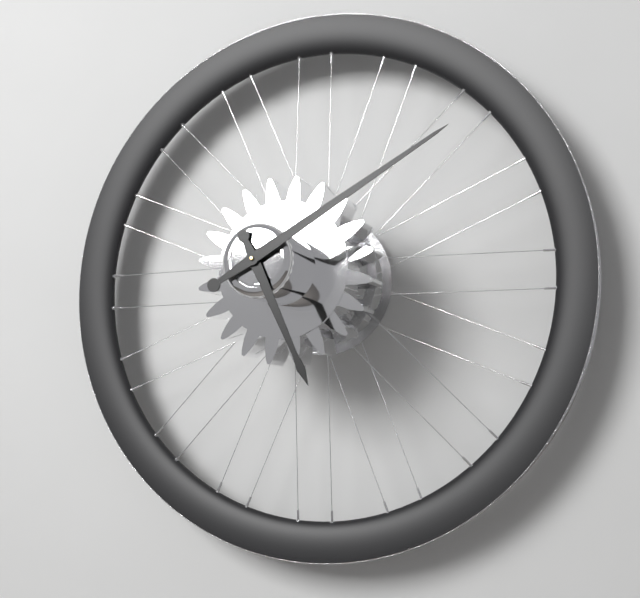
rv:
5h10
